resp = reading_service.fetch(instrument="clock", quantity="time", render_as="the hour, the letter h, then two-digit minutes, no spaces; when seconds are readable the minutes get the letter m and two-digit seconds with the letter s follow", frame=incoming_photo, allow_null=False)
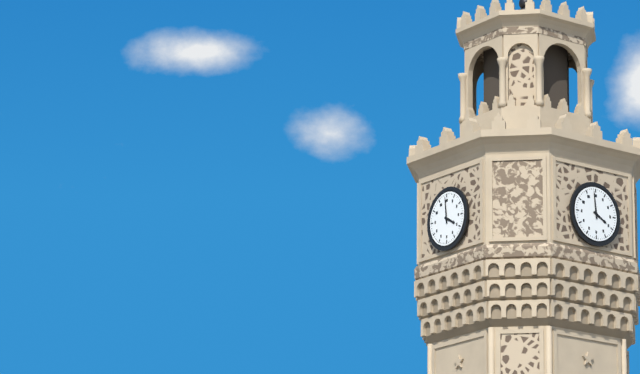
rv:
3h59
